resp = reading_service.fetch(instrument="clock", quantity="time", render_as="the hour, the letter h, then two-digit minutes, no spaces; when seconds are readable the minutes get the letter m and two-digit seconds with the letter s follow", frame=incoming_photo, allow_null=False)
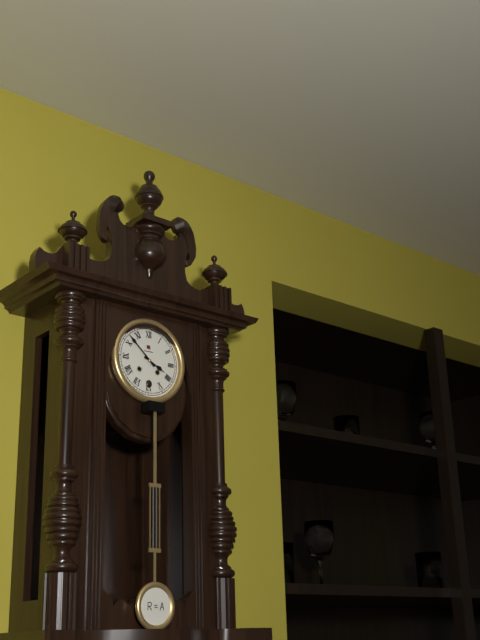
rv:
3h52
